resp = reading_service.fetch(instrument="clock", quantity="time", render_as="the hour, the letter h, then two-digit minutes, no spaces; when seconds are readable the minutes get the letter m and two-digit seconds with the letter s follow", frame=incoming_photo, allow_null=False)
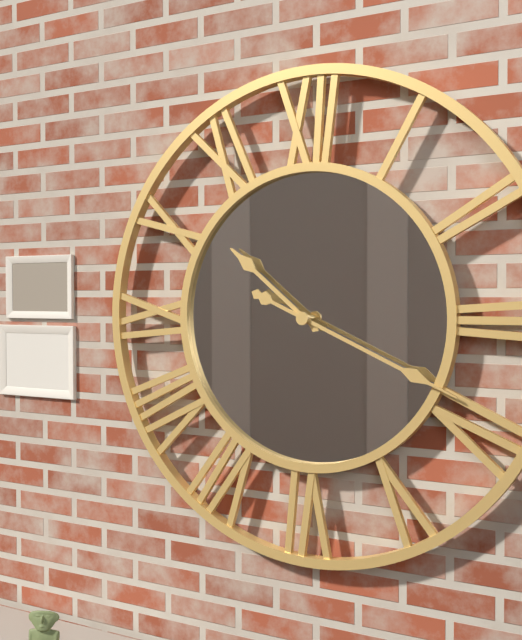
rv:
10h19
